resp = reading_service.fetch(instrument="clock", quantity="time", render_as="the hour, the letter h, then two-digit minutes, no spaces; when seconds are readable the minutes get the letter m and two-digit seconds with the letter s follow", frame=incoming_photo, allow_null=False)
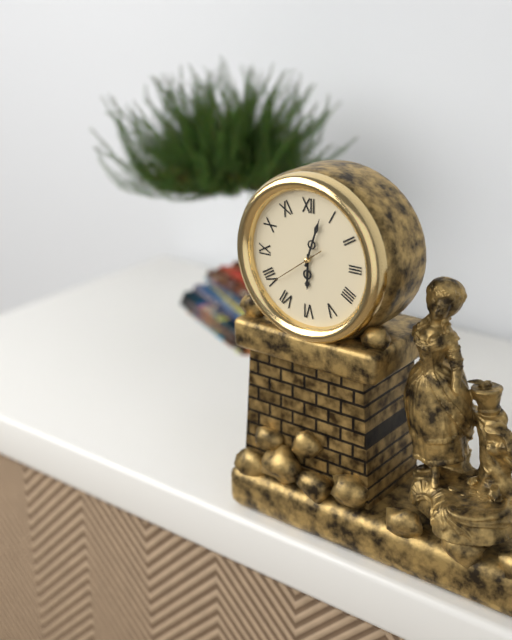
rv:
6h03m39s
